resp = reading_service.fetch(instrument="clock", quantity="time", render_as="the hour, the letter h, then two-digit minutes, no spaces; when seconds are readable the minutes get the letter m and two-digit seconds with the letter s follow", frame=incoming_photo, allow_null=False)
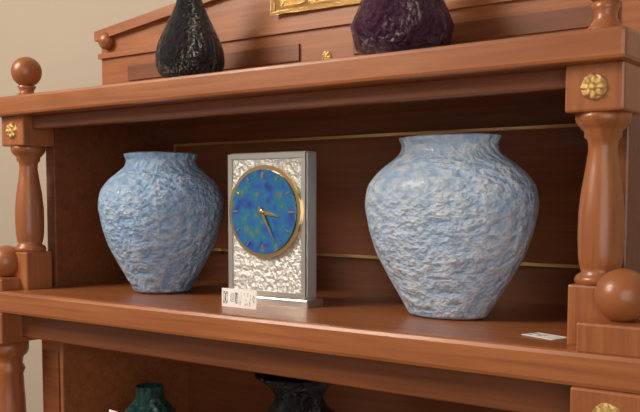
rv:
3h25
